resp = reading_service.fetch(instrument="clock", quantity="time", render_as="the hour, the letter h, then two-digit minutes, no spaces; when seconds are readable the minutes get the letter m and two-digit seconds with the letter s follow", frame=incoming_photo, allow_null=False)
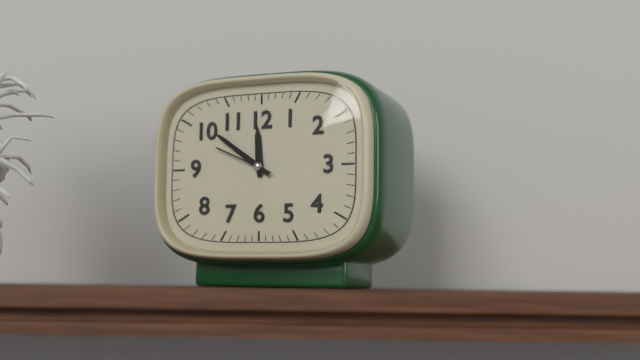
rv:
11h51m49s
